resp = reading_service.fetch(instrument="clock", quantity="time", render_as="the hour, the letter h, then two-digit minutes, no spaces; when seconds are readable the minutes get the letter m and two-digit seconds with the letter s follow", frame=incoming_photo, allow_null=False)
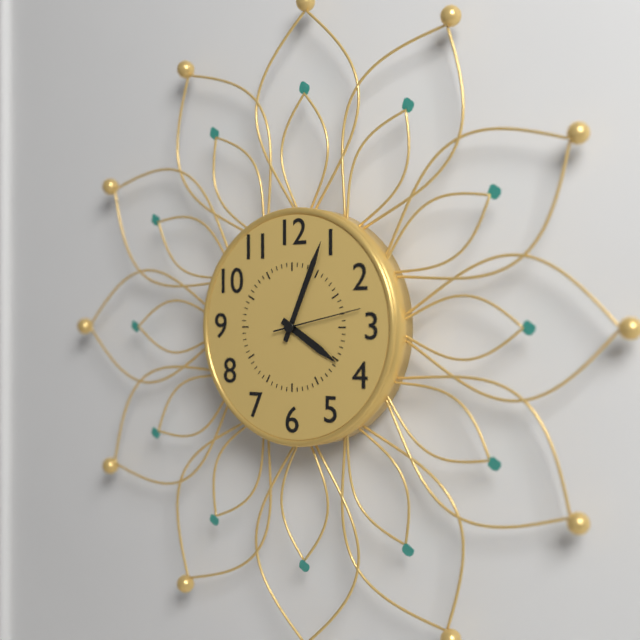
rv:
4h04m13s
